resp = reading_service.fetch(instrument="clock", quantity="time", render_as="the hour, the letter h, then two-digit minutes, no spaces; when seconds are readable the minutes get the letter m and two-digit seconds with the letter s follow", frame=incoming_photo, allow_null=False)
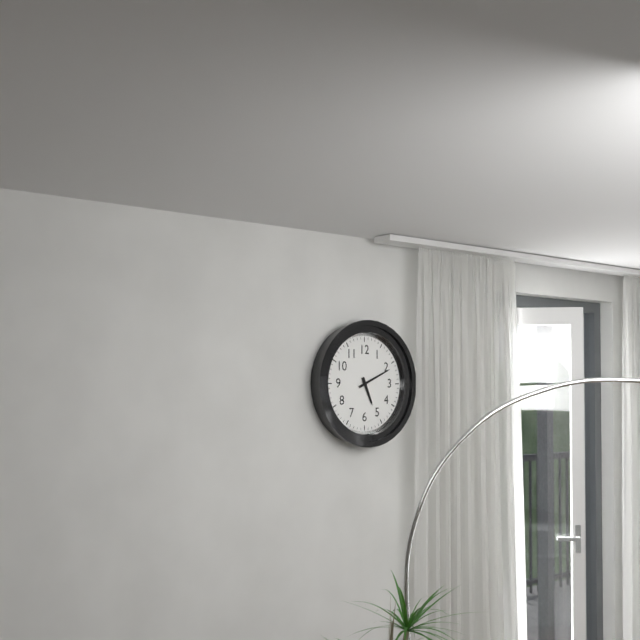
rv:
5h11
